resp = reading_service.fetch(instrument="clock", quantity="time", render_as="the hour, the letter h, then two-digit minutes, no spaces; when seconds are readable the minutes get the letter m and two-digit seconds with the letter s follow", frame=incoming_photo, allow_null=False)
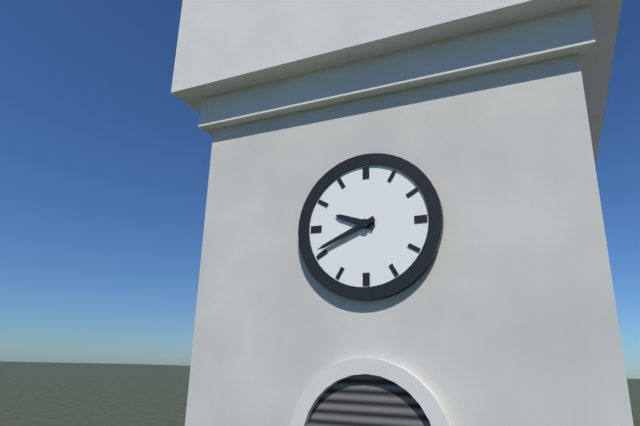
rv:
9h41
